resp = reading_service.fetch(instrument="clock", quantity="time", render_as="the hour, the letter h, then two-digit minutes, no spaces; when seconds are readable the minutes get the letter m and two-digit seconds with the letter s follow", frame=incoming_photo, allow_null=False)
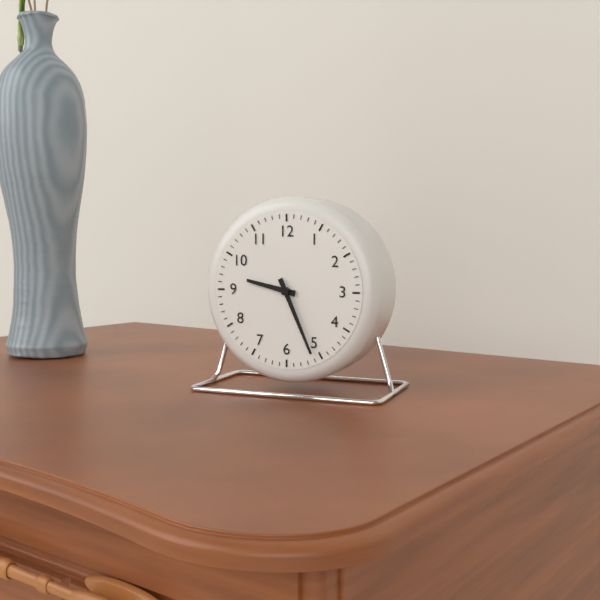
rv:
9h26
